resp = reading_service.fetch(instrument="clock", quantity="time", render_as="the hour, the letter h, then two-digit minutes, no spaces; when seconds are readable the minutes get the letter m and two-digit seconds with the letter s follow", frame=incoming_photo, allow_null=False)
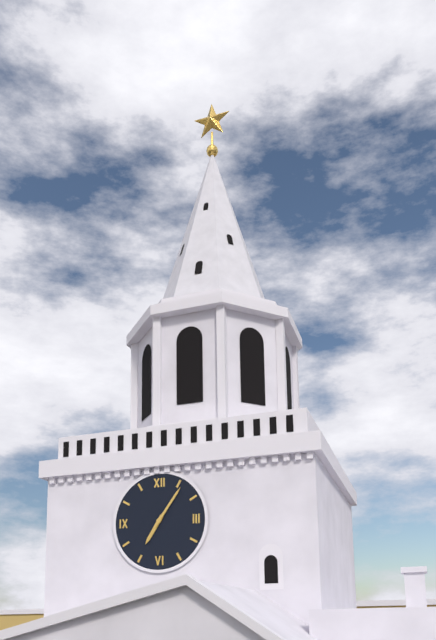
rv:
7h06
